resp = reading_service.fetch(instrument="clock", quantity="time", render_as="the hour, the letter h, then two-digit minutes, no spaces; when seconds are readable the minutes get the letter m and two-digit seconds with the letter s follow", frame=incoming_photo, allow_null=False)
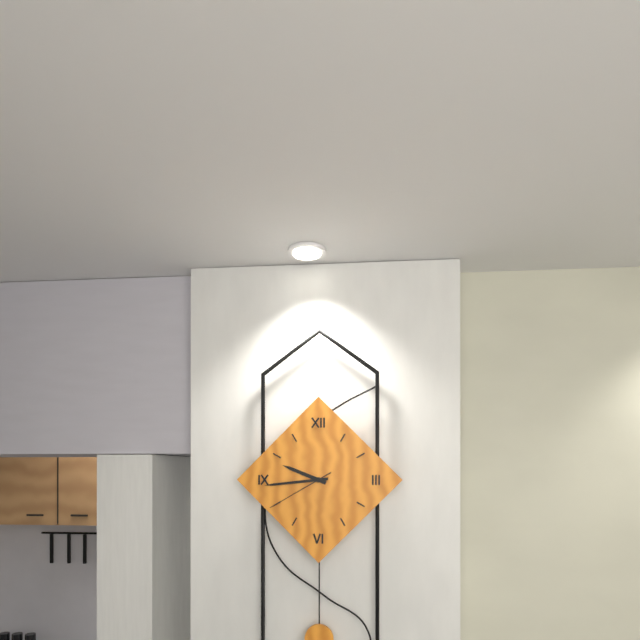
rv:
9h44m40s
